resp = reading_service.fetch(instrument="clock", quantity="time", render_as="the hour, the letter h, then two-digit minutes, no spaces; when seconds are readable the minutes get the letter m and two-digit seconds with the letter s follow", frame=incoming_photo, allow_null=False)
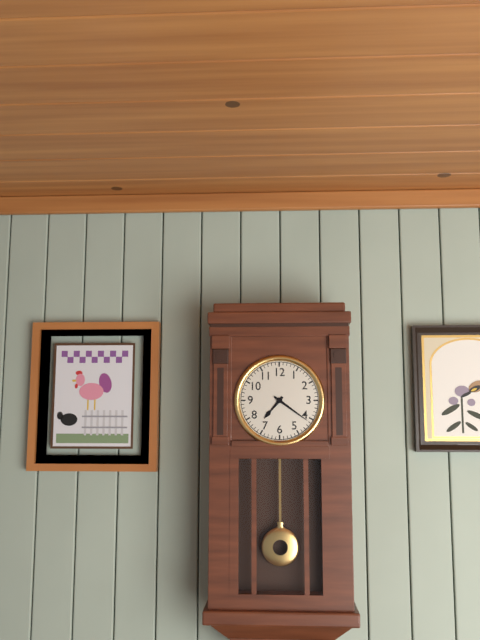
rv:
7h21
